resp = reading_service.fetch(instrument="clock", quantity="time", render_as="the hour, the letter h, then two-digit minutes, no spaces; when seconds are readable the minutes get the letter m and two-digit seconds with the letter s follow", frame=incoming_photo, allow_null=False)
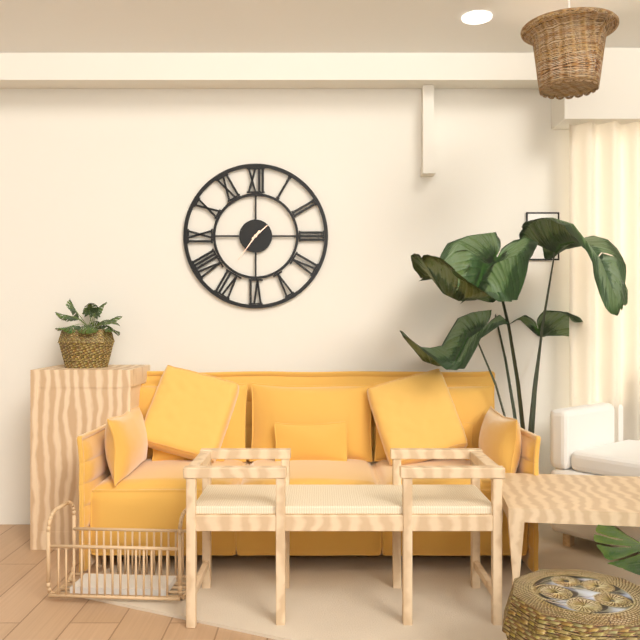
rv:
1h36
